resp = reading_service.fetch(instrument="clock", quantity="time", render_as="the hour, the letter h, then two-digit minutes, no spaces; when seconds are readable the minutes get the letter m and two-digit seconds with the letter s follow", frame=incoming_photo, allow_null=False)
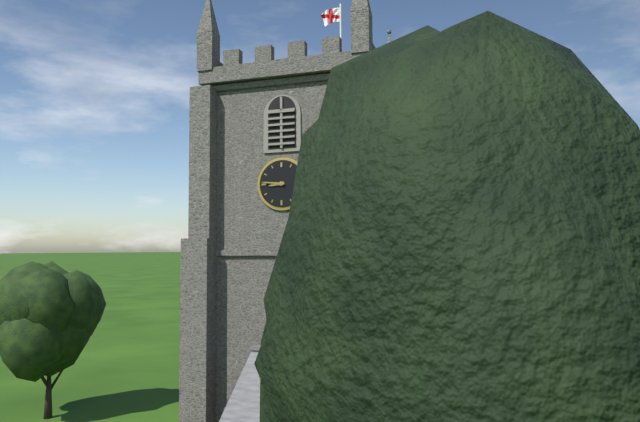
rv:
8h46
